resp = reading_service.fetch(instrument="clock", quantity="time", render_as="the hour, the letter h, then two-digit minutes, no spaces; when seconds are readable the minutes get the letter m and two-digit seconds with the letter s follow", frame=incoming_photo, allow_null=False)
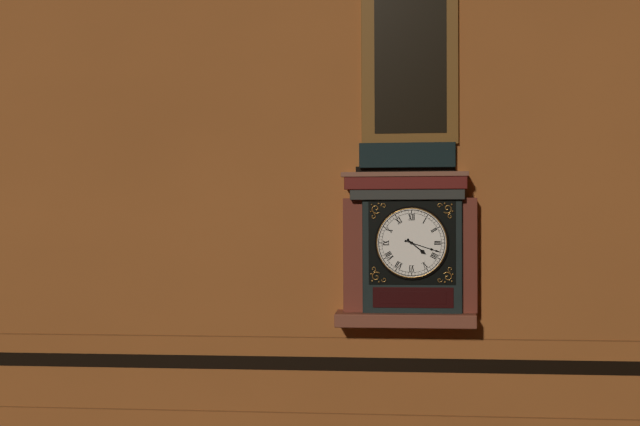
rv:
4h18
